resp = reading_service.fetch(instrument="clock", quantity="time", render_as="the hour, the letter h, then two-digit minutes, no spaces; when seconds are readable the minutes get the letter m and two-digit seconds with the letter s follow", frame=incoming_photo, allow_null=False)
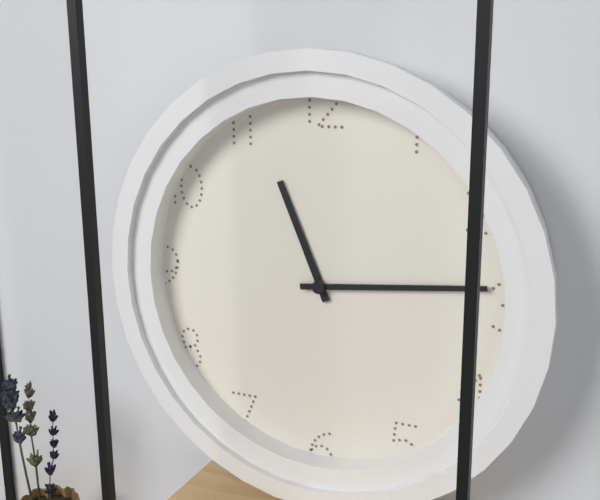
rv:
11h14
